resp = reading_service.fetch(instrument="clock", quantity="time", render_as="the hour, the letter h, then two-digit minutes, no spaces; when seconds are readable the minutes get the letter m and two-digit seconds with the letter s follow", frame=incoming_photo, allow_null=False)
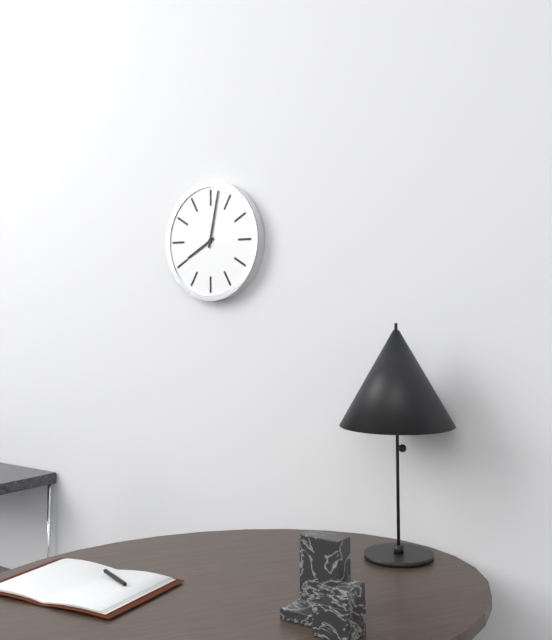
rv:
8h02
